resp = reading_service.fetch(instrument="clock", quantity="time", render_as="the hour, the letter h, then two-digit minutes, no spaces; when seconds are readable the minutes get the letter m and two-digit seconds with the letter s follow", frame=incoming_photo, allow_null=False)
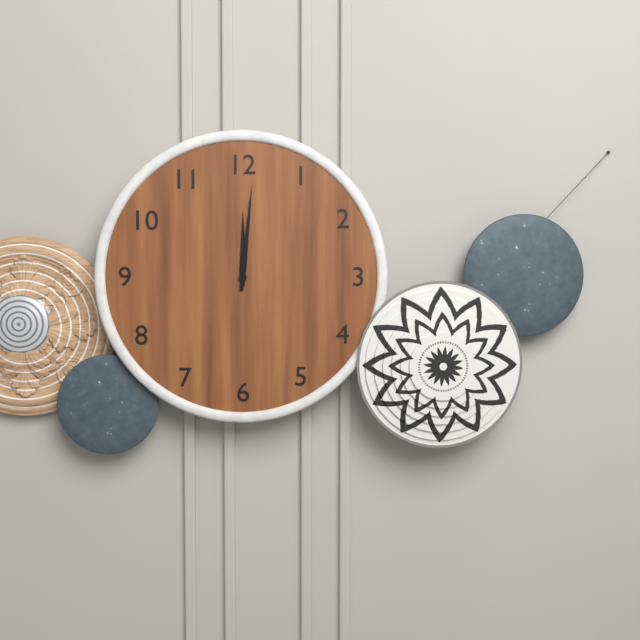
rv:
12h01
